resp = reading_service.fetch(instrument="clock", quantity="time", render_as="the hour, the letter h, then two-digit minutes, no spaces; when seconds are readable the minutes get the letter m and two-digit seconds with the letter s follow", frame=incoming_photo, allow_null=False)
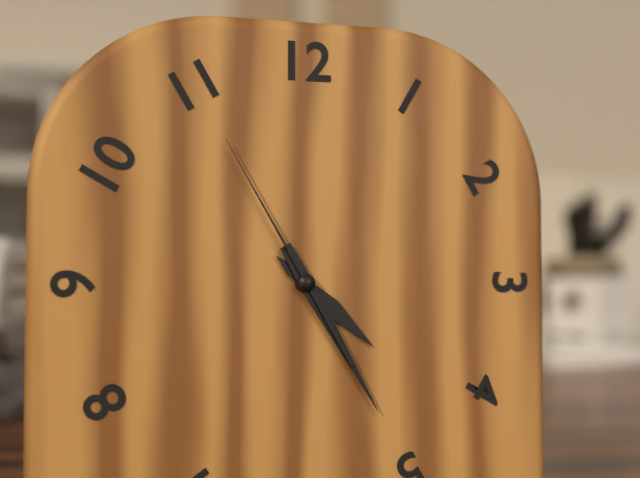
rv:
4h25m55s
